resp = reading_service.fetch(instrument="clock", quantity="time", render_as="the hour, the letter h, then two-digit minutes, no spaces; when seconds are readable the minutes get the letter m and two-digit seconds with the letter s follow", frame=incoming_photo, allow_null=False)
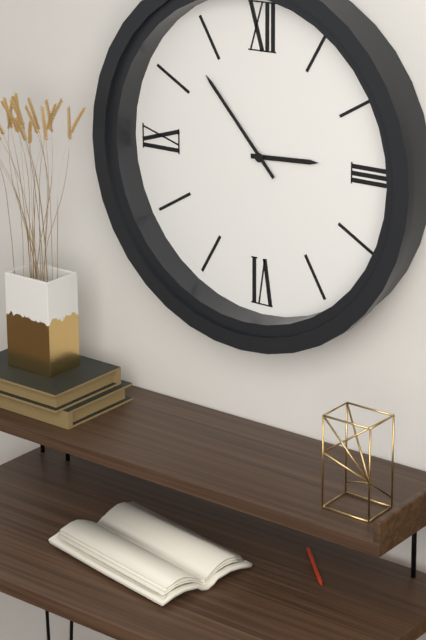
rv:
2h53
